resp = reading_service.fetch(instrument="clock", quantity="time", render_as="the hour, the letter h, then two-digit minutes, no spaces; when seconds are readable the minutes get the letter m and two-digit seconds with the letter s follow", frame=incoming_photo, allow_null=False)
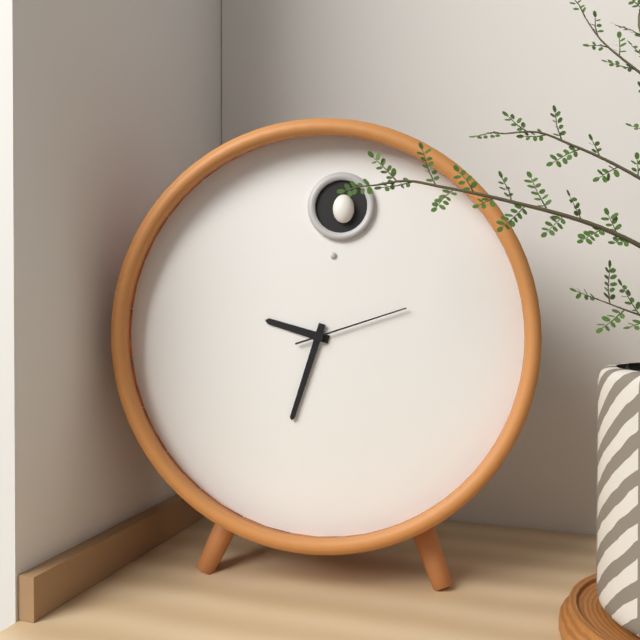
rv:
9h33m12s
